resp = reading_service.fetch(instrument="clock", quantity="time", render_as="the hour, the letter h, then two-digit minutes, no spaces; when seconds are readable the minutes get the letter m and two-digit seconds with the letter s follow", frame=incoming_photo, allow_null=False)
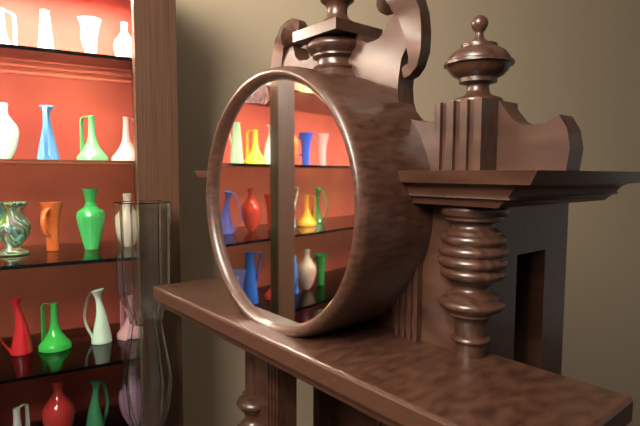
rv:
3h10
